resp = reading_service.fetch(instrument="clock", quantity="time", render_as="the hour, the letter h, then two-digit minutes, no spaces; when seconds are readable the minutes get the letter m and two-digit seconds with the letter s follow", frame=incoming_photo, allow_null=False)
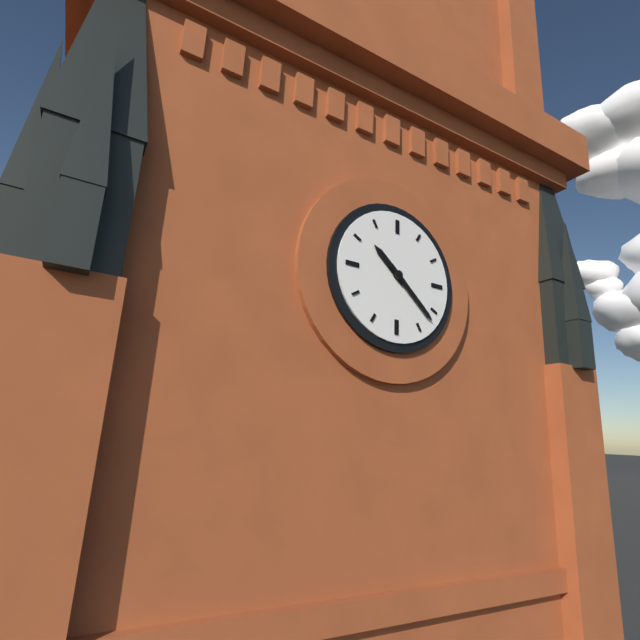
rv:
10h22
